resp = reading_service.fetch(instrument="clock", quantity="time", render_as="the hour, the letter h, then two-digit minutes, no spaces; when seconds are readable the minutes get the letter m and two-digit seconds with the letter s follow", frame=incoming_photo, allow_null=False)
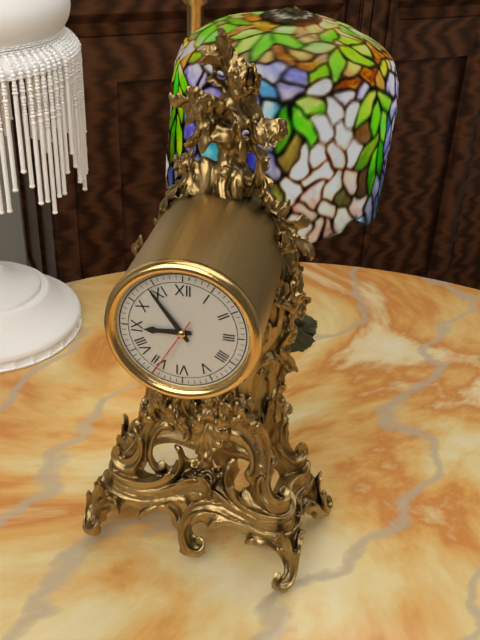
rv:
8h54m35s
